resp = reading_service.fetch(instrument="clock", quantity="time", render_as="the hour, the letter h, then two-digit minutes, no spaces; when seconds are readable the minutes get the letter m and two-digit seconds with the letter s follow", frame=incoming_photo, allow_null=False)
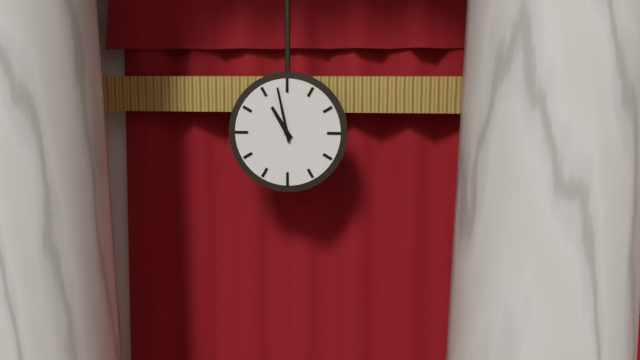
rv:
10h58
